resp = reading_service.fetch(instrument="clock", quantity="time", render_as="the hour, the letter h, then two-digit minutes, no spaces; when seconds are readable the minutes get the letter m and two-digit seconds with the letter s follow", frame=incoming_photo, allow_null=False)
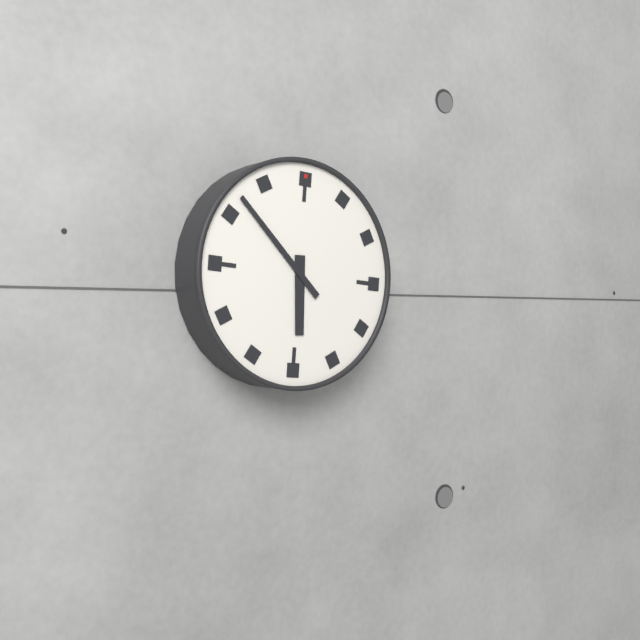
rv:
5h52
